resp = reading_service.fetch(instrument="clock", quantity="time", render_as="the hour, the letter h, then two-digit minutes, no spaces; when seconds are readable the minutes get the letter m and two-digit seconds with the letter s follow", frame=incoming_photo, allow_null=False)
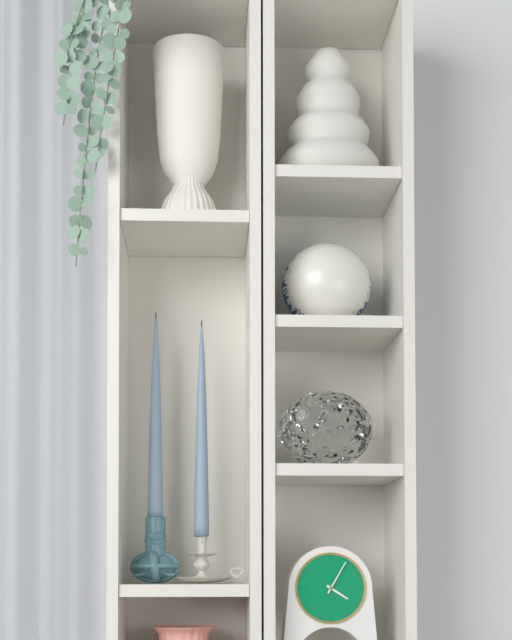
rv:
4h05
